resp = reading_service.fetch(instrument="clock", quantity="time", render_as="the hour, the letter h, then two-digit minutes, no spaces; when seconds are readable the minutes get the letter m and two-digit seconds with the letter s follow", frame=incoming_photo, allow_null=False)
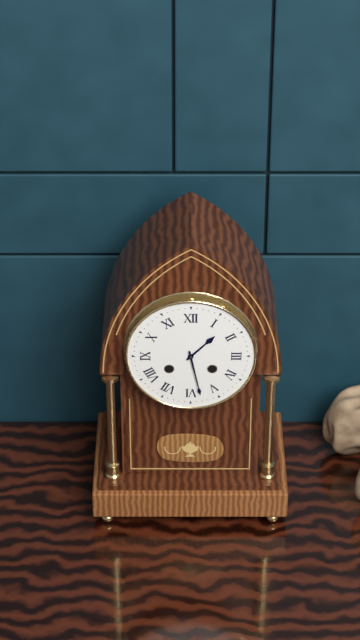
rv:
1h28
